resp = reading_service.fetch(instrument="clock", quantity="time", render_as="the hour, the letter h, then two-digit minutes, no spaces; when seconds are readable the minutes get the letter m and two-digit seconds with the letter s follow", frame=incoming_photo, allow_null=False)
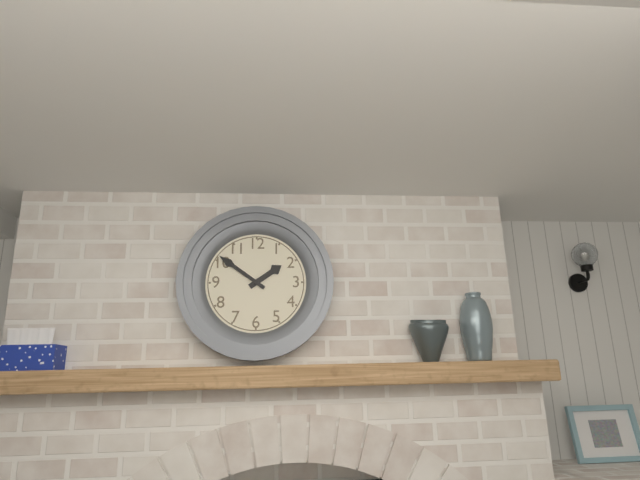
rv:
1h51
